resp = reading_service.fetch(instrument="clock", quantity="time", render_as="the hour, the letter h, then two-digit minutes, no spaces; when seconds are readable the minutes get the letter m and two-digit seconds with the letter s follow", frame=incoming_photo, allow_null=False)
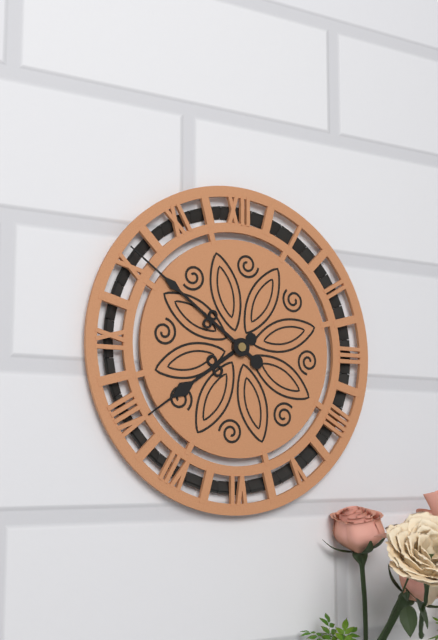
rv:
7h51
